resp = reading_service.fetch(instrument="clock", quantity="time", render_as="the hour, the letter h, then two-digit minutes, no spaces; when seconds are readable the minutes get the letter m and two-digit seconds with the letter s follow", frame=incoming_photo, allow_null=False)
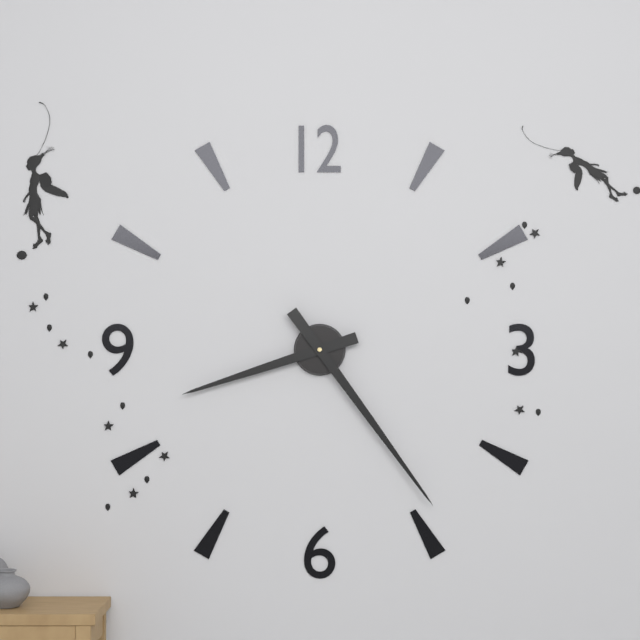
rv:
8h24
